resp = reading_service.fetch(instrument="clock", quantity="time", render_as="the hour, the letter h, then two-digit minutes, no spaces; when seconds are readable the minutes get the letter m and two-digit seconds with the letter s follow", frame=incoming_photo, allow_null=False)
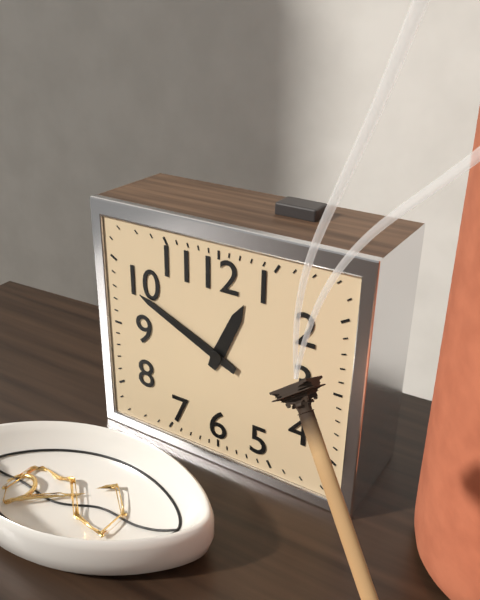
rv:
12h49
